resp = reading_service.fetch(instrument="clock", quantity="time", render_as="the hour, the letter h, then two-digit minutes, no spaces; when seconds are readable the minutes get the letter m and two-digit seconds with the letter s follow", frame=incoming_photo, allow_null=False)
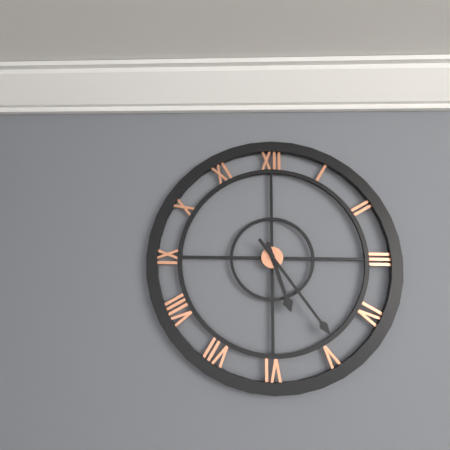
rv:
5h24
